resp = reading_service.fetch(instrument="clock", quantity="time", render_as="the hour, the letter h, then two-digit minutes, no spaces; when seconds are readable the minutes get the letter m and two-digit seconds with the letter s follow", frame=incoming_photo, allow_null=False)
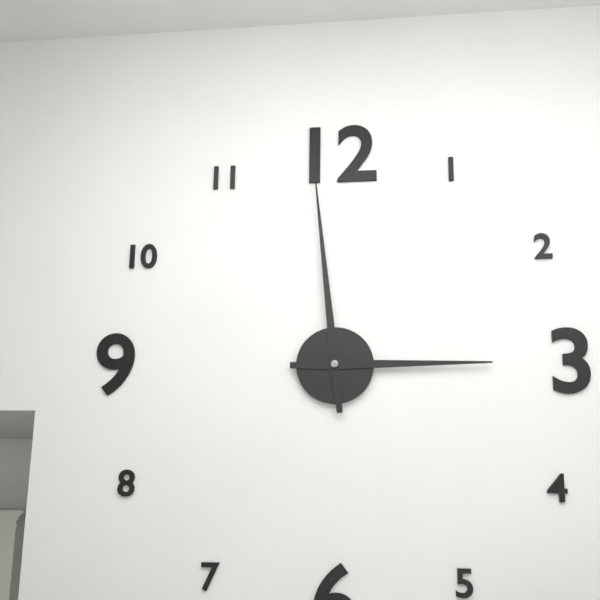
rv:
2h59
